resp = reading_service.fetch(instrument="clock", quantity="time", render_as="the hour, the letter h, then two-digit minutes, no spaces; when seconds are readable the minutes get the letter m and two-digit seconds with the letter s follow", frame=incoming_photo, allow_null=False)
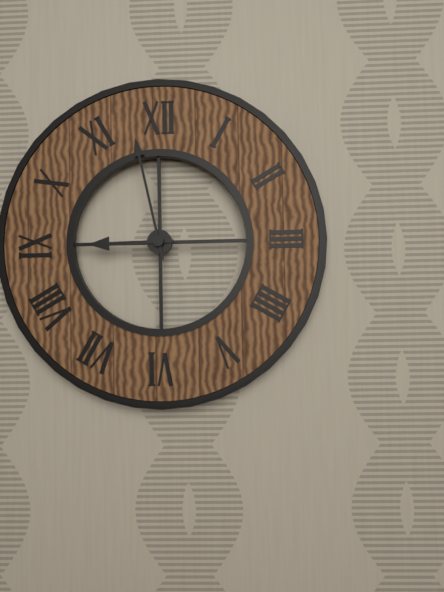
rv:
8h58
